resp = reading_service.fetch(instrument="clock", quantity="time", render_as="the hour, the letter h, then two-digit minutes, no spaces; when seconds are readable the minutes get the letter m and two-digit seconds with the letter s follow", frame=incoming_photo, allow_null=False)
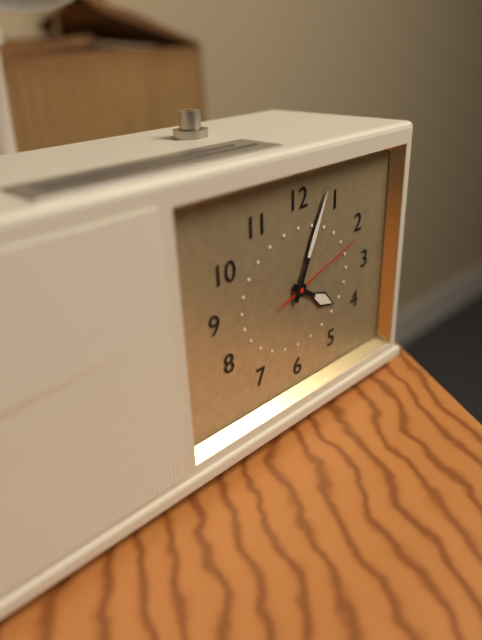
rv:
4h04m12s
